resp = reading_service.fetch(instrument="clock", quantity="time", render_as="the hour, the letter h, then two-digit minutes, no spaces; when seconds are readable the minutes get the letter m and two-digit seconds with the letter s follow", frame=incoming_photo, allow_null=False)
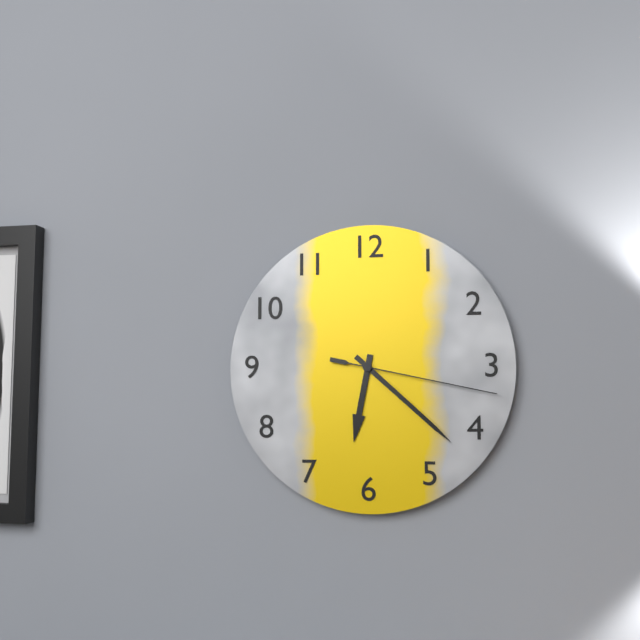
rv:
6h22m17s
